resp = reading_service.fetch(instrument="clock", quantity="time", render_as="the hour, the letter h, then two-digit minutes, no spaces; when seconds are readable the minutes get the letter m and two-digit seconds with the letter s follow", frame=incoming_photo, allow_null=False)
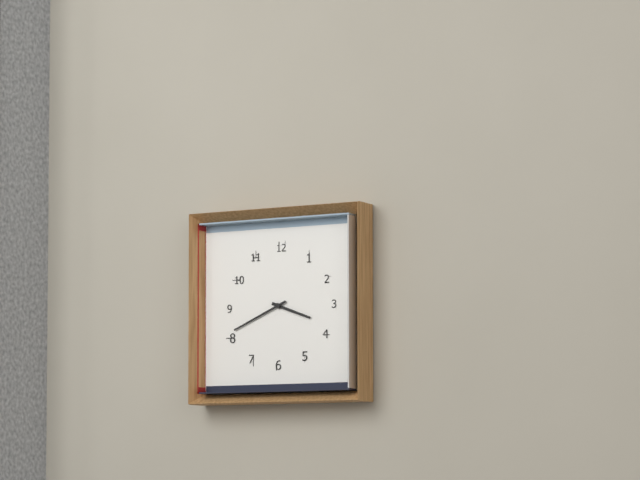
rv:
3h41
